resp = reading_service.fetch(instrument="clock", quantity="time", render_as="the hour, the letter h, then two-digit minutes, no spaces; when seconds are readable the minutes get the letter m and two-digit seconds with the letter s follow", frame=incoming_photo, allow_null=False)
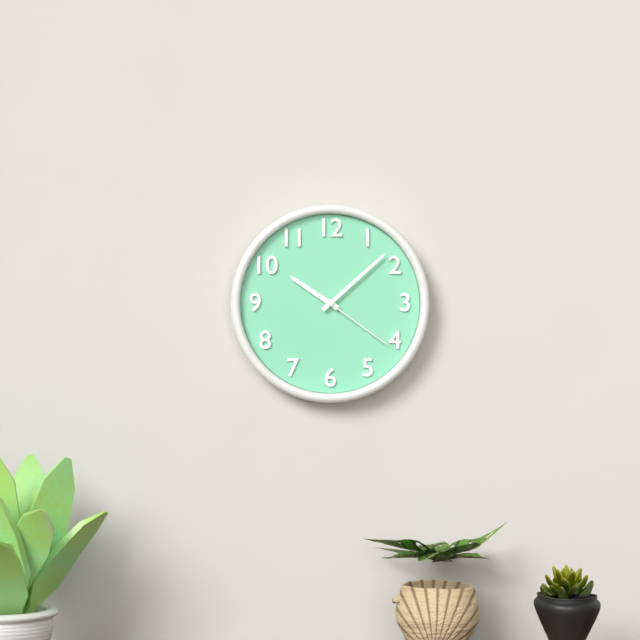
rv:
10h08m21s
